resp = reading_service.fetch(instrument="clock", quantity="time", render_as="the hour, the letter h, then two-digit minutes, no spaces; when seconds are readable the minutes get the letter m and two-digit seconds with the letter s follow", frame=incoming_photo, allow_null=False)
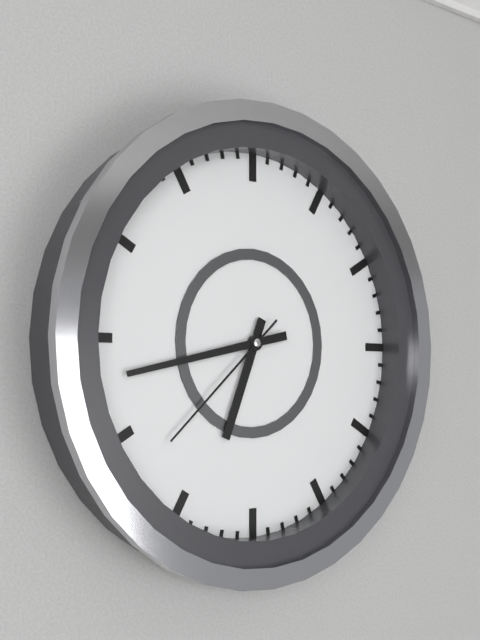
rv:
6h43m38s
